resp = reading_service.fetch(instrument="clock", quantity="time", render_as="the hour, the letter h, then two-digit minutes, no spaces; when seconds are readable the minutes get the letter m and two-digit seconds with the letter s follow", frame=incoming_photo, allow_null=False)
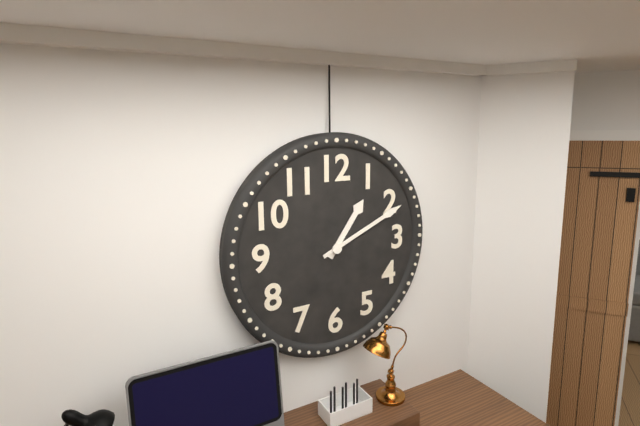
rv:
1h11
